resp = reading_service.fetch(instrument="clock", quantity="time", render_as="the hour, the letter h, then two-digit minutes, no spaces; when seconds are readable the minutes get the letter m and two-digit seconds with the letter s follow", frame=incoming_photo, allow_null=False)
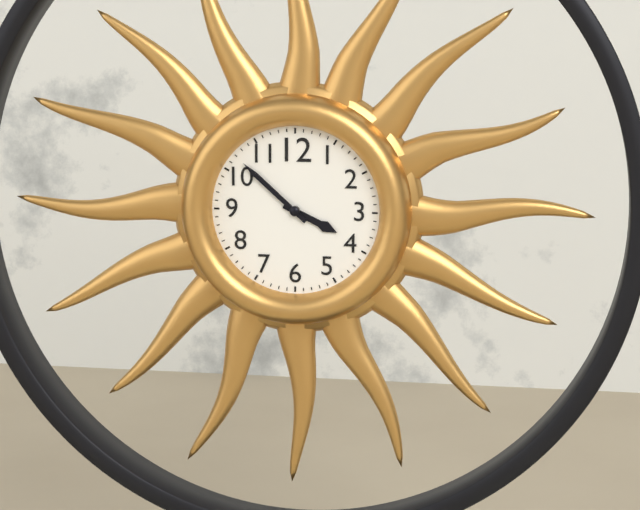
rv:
3h52
